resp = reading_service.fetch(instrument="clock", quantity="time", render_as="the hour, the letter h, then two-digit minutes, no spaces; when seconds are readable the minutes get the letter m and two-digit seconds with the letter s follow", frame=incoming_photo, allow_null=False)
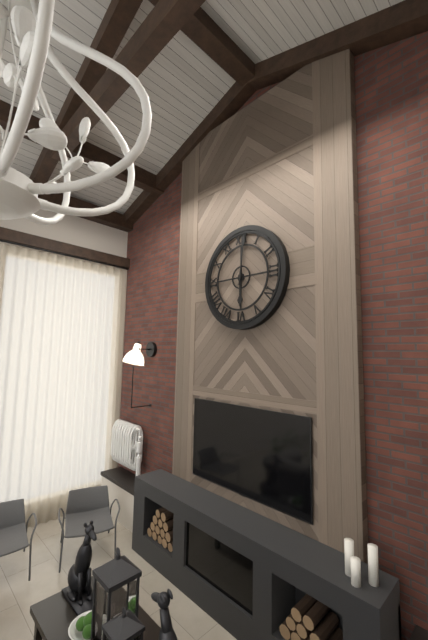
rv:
6h01
